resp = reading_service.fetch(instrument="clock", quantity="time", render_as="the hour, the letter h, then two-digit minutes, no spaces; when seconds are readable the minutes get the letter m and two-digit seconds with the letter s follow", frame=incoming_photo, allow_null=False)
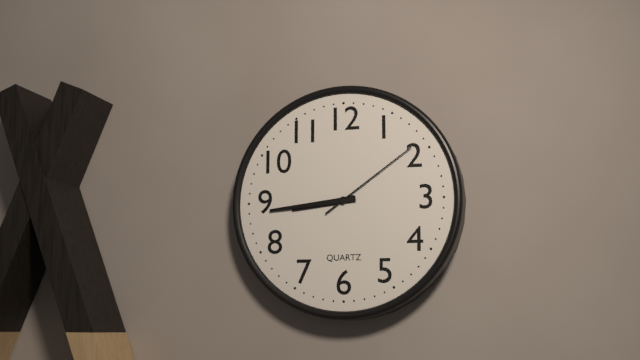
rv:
8h44m09s
